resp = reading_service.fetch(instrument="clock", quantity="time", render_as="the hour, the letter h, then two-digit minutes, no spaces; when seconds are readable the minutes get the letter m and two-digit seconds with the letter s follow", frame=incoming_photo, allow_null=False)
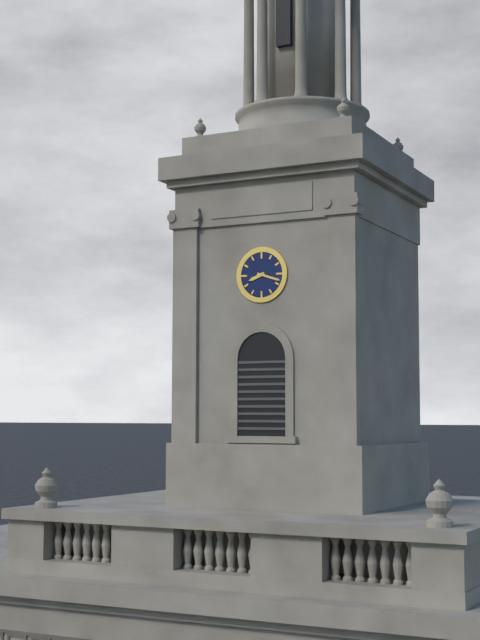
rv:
8h18
